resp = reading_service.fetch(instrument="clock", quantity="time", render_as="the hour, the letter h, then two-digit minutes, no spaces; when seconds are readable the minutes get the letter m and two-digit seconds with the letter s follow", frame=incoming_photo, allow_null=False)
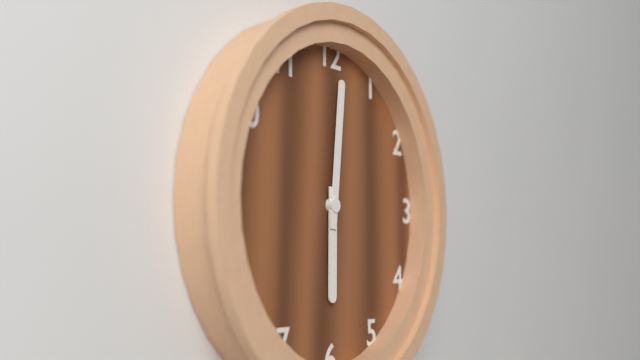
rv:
6h01
